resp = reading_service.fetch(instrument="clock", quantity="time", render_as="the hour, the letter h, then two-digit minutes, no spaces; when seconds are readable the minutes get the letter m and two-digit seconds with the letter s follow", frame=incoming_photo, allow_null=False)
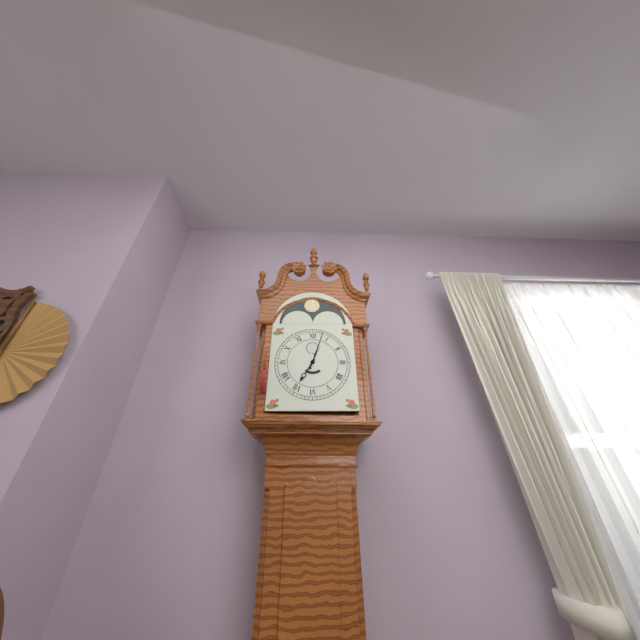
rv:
7h03
